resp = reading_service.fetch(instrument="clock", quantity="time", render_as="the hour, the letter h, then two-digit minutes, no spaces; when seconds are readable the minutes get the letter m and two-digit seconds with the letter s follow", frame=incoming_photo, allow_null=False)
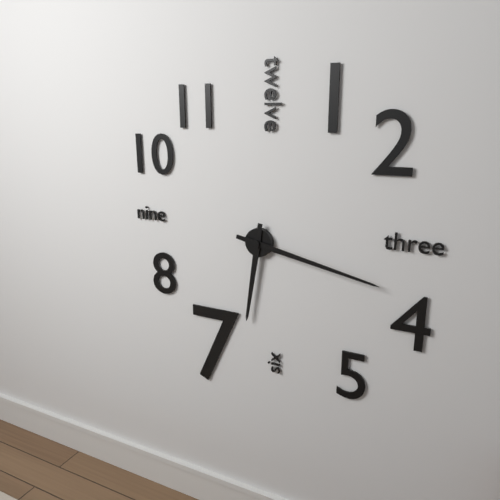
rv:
6h17
